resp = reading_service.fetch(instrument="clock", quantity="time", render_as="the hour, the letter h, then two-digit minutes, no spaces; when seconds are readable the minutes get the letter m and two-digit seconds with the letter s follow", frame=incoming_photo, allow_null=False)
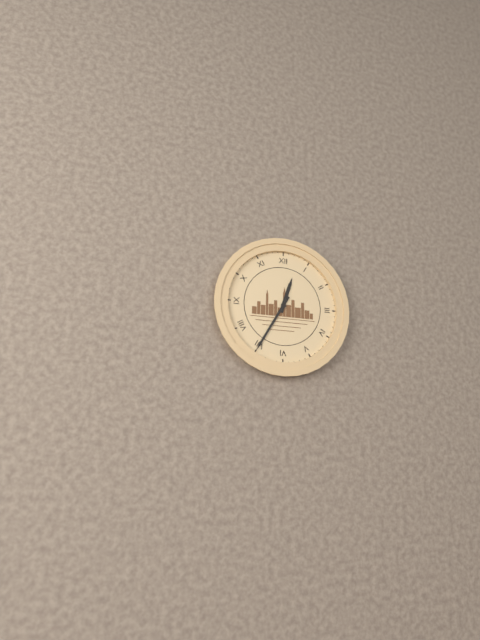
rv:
12h35
